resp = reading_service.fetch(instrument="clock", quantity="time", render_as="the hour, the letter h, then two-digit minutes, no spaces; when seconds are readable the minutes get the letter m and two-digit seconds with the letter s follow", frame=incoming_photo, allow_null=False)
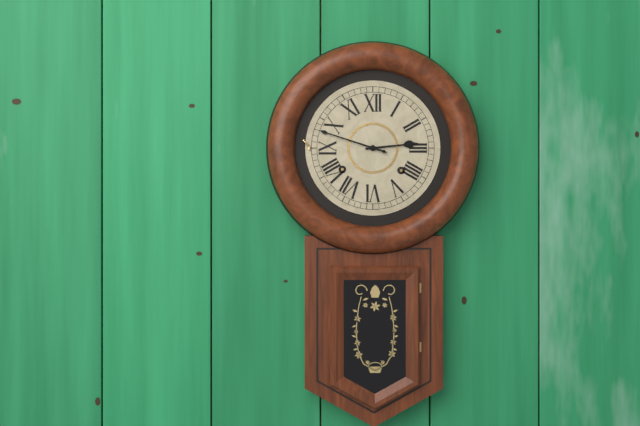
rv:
2h48
